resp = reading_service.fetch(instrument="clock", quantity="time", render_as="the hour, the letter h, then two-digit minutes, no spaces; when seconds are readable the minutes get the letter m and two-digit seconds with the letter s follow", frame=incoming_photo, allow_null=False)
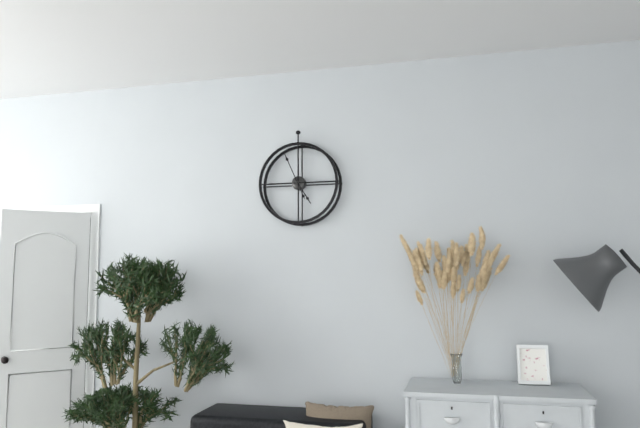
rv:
4h56
